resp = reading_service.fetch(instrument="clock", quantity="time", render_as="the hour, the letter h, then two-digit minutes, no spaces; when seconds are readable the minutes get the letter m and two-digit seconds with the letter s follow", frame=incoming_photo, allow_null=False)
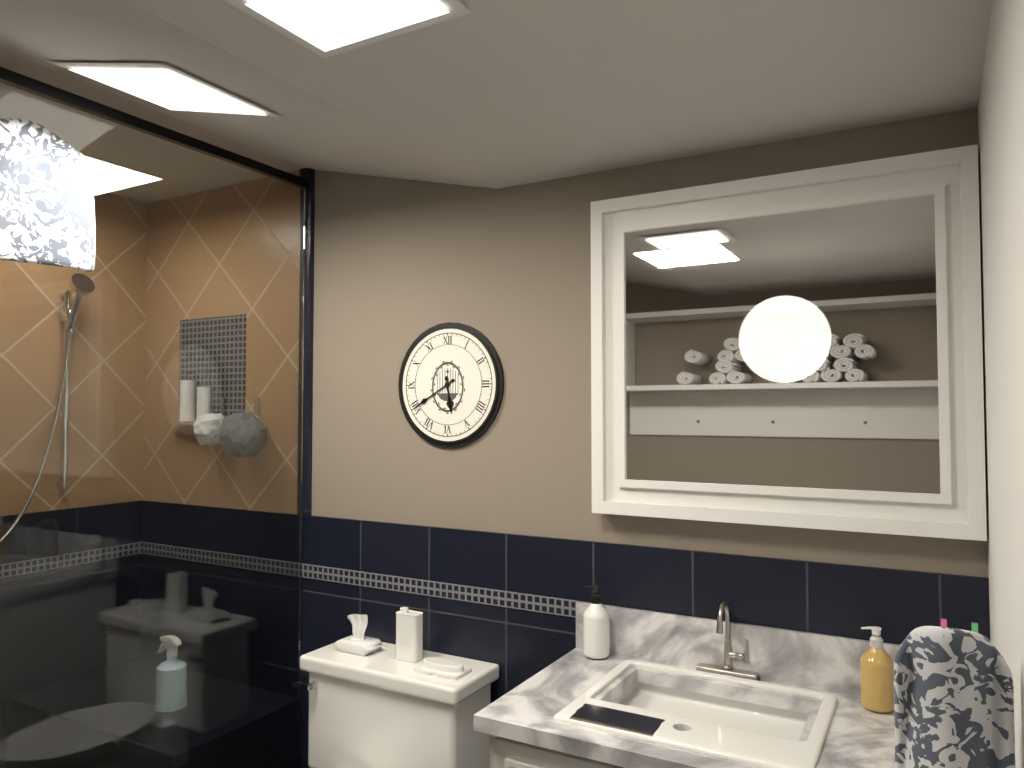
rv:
5h40
